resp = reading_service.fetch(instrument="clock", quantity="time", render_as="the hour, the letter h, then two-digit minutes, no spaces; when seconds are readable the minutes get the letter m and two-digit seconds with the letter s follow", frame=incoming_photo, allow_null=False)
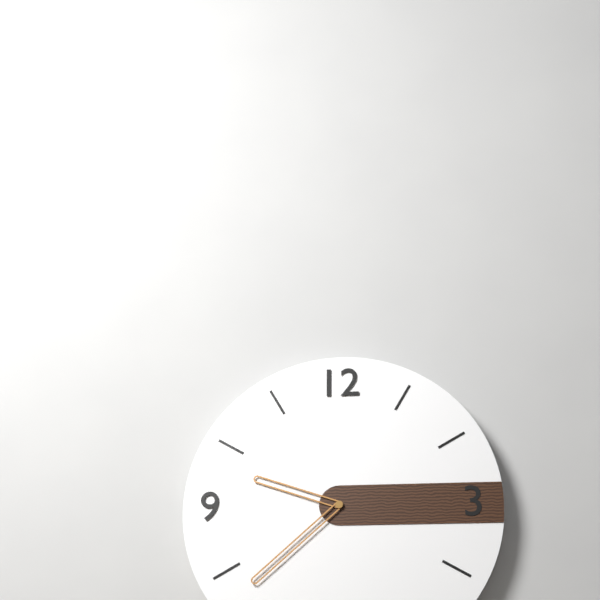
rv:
9h38
